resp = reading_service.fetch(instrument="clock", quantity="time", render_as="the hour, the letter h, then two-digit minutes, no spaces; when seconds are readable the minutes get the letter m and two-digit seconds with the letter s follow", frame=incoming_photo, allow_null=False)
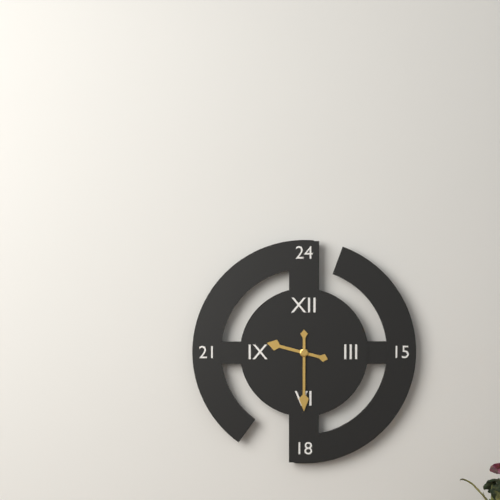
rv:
9h30
